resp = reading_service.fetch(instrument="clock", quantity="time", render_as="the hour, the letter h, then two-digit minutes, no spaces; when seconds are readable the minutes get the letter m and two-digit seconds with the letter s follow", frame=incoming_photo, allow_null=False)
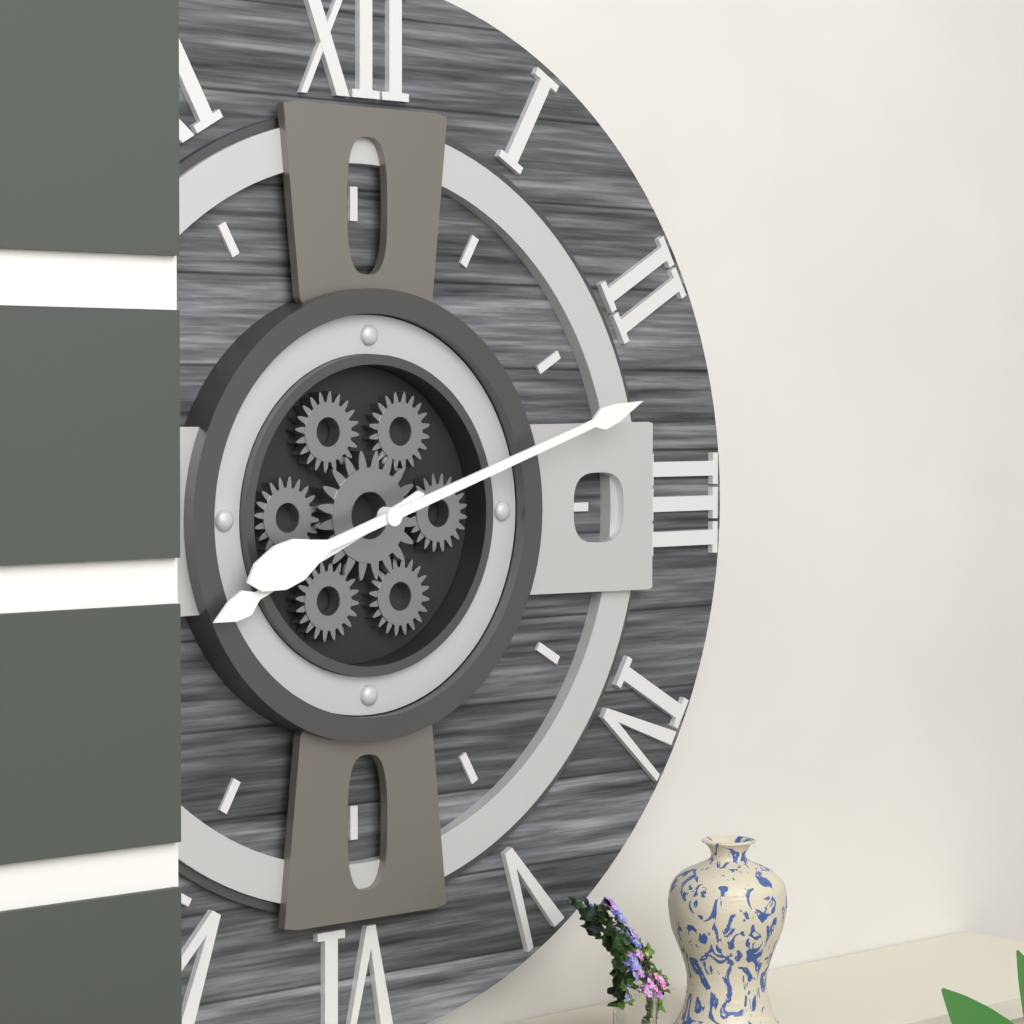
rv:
8h12
